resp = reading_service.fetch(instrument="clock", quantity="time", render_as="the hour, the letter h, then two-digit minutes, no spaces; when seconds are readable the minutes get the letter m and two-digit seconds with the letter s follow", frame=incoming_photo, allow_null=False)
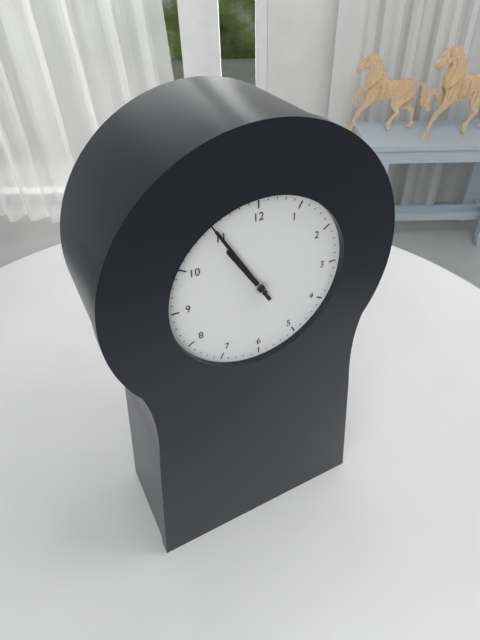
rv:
10h55
